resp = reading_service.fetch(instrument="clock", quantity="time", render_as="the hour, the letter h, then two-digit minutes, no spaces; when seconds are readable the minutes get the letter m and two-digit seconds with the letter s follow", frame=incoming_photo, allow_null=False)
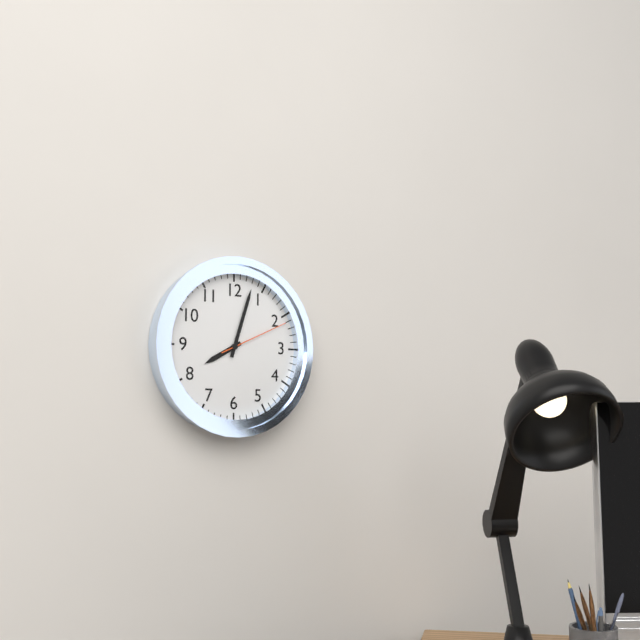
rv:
8h03m11s
